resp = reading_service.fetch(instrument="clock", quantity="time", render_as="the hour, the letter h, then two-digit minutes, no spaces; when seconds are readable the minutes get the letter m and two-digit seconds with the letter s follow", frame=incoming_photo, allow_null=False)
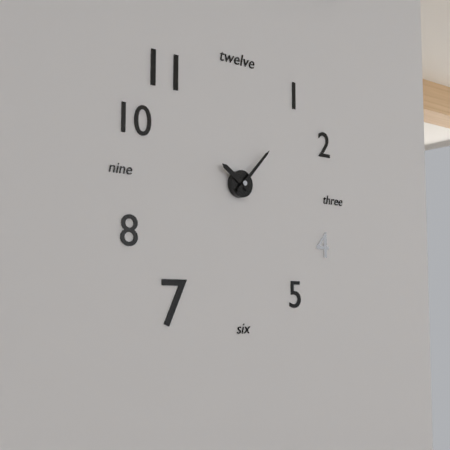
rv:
10h07
